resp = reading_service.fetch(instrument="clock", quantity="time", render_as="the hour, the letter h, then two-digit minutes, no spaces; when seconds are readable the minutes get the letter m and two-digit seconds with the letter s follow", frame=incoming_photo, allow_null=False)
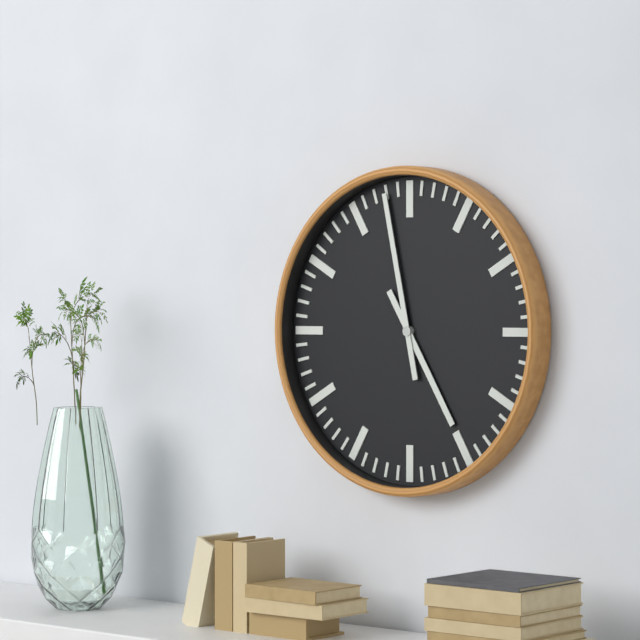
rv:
4h58
